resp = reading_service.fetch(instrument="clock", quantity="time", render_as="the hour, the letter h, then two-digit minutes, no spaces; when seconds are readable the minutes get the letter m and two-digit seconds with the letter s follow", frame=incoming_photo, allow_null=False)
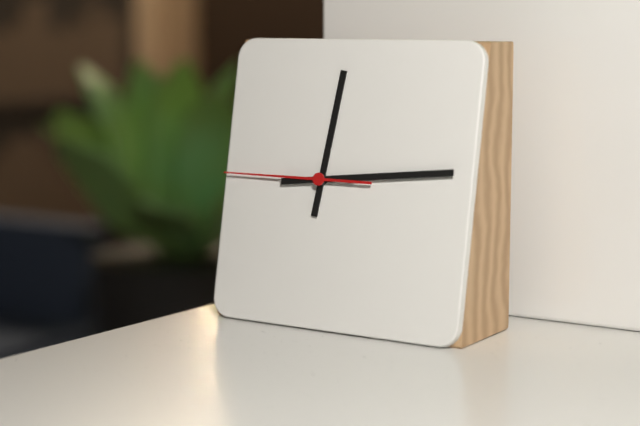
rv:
12h14m45s
